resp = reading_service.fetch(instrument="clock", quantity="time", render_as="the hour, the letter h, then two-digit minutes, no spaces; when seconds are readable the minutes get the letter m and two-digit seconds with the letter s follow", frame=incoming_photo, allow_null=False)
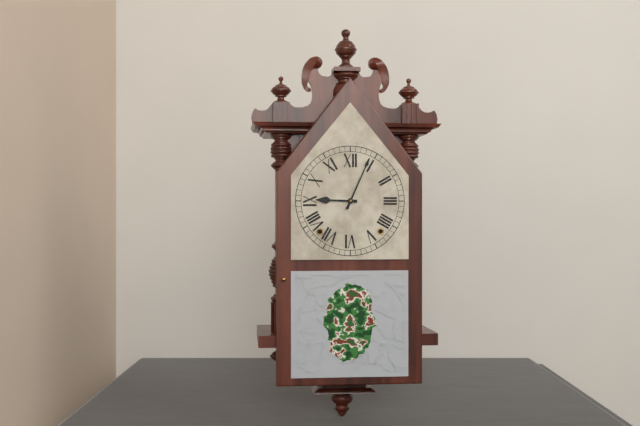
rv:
9h04
